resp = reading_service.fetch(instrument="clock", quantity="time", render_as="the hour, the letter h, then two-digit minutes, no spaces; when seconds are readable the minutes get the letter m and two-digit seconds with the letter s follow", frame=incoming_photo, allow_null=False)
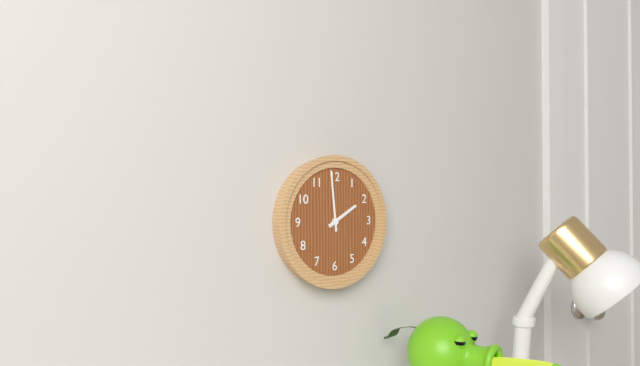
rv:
1h59
